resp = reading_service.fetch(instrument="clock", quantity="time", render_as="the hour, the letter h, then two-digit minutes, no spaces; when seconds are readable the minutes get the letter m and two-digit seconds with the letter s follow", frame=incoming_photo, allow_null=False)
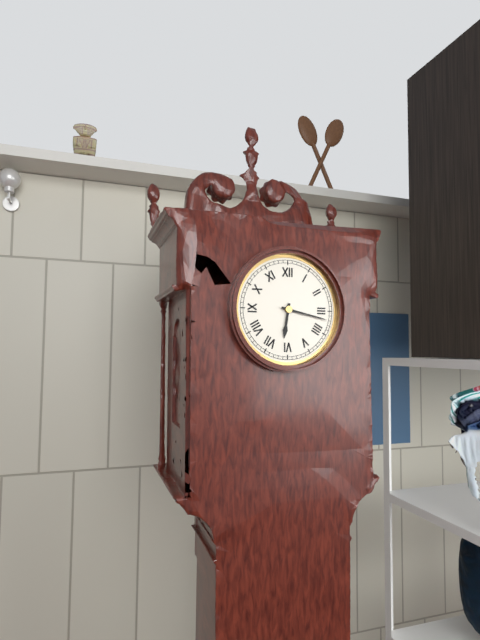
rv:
6h17
